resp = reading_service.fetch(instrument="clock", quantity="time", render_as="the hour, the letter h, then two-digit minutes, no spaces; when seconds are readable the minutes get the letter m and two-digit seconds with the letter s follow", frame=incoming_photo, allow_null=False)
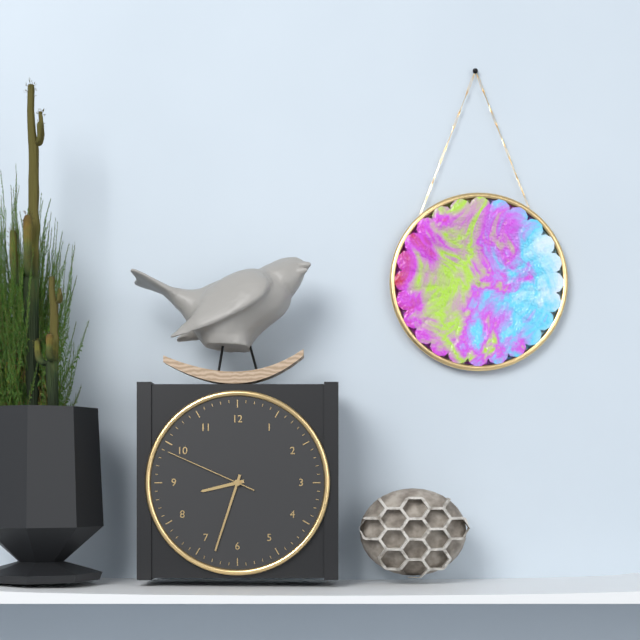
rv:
8h33m49s
